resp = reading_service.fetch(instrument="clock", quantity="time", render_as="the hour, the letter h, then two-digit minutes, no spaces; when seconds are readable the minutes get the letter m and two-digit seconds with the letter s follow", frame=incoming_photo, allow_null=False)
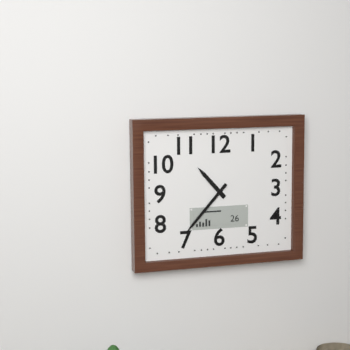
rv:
10h37
